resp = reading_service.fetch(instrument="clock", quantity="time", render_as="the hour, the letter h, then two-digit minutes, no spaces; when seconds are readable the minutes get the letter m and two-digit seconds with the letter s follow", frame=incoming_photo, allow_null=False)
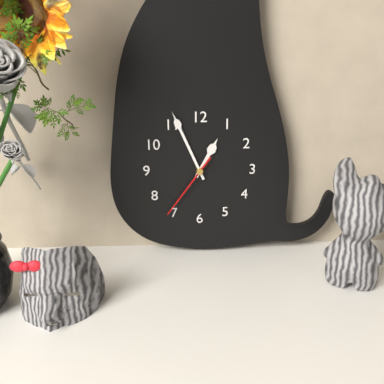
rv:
12h56m36s
